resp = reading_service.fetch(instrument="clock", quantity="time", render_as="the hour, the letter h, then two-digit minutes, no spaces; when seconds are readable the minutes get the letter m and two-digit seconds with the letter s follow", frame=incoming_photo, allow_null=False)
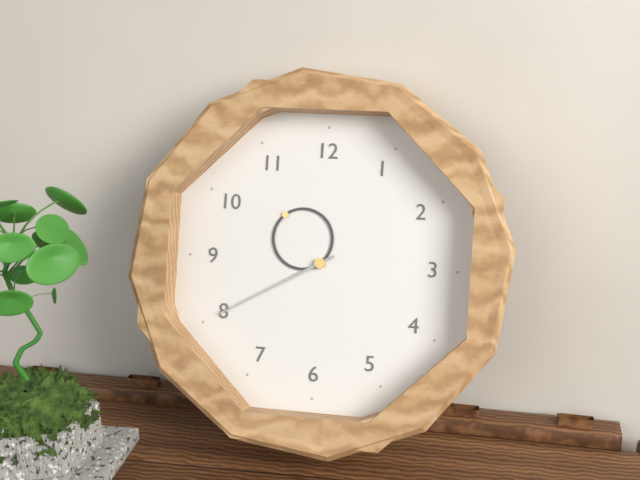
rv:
10h40
